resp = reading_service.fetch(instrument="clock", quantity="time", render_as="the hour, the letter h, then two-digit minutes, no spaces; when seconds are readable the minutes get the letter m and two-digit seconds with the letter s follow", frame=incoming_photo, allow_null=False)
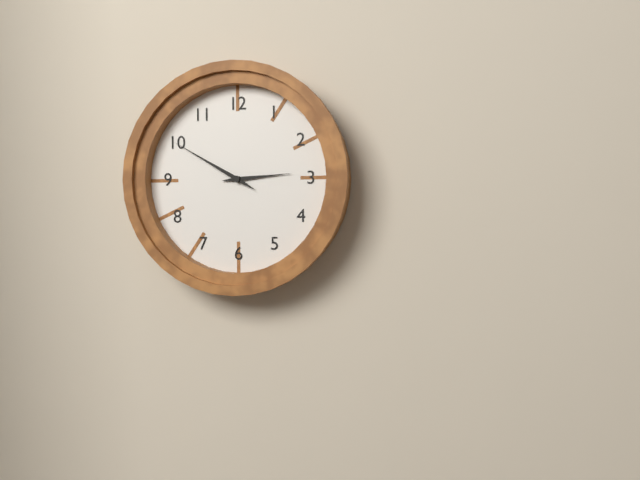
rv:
2h50
